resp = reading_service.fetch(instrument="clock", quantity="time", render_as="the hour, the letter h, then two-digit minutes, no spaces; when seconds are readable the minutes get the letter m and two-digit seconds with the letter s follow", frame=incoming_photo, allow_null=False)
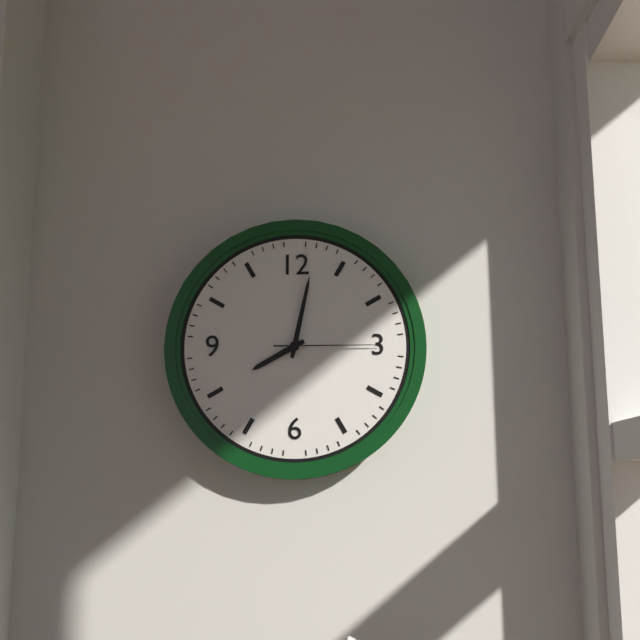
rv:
8h02m15s
